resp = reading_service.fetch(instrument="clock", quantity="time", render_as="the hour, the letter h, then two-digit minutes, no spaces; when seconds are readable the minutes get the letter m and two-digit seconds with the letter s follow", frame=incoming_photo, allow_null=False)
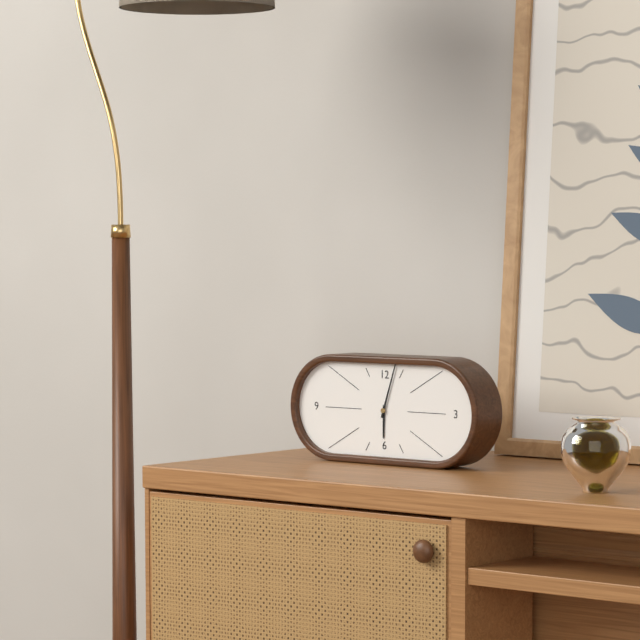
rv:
6h03
